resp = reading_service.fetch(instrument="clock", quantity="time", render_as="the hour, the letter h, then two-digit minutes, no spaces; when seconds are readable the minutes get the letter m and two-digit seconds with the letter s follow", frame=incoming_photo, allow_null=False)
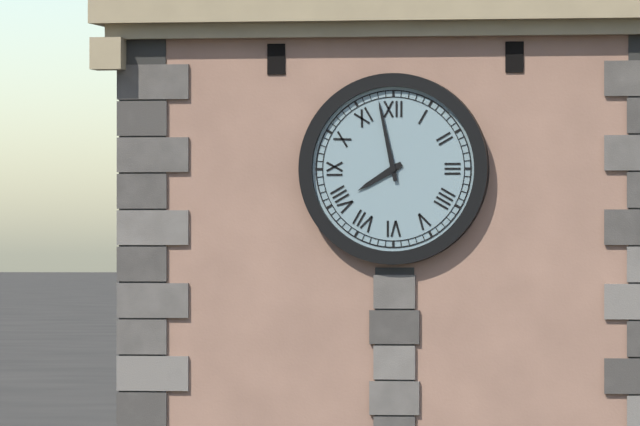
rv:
7h58
